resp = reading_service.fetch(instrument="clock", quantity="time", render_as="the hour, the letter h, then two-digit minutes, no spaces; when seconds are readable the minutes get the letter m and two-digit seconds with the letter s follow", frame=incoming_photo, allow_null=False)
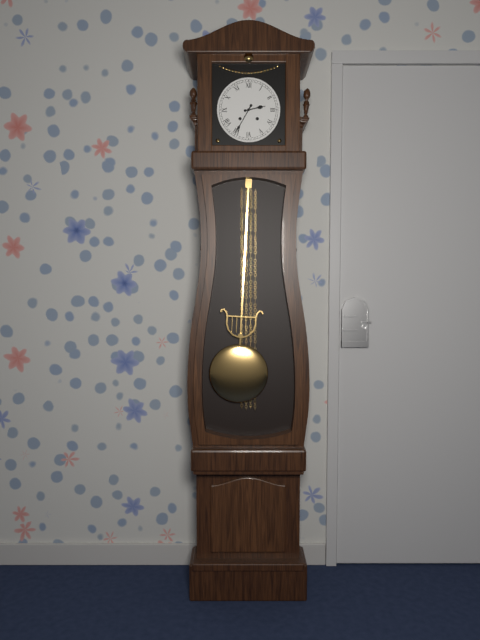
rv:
2h35
